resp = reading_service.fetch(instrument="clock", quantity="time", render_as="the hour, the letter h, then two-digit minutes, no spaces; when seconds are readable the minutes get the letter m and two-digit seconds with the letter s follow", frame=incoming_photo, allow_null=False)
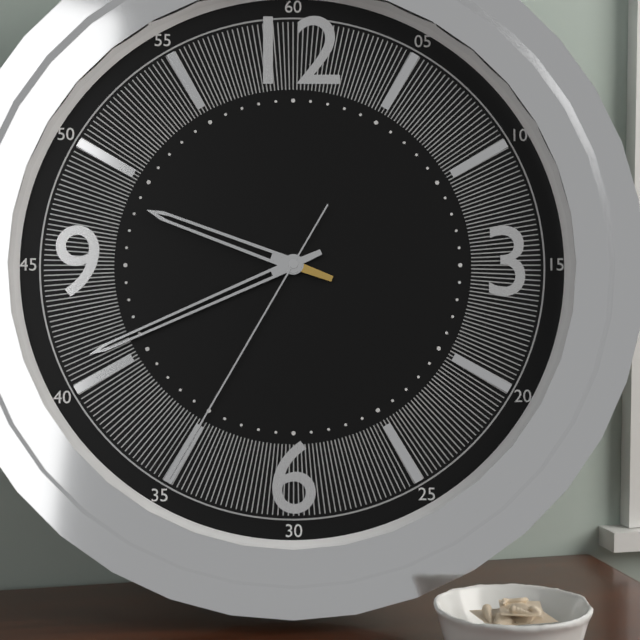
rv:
9h41m35s
